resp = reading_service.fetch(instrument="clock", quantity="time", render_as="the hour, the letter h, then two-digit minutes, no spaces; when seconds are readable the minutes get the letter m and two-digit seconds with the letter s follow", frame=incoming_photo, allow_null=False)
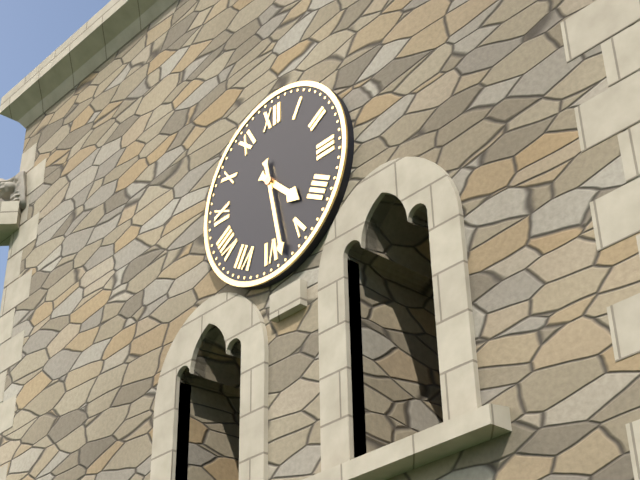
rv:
4h28
